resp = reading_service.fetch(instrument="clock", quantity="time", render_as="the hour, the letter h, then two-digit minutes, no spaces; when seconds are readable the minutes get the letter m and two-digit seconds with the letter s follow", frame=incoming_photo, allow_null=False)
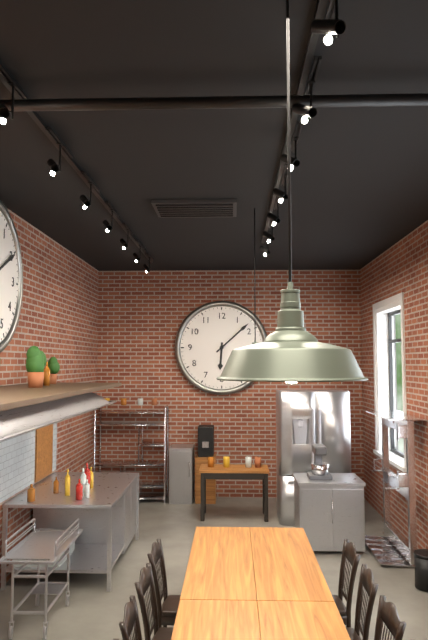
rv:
6h08
